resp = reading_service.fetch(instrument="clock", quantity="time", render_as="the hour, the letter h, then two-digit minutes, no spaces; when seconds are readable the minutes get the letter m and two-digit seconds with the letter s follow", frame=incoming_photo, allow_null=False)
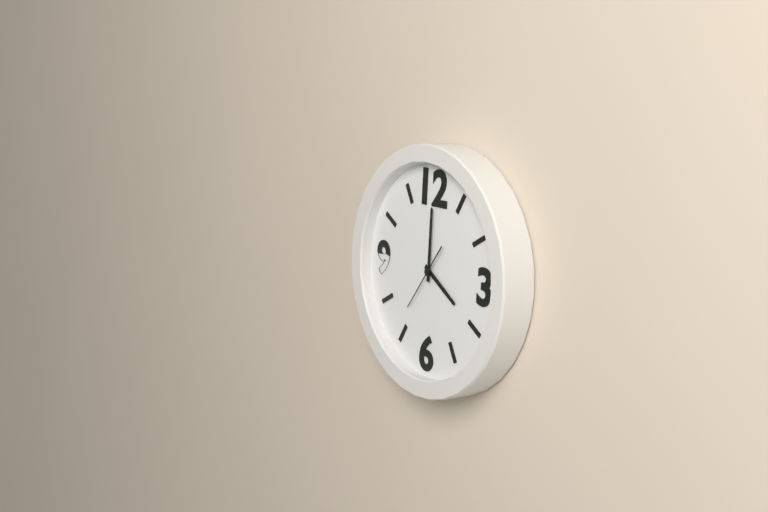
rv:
4h00m36s
